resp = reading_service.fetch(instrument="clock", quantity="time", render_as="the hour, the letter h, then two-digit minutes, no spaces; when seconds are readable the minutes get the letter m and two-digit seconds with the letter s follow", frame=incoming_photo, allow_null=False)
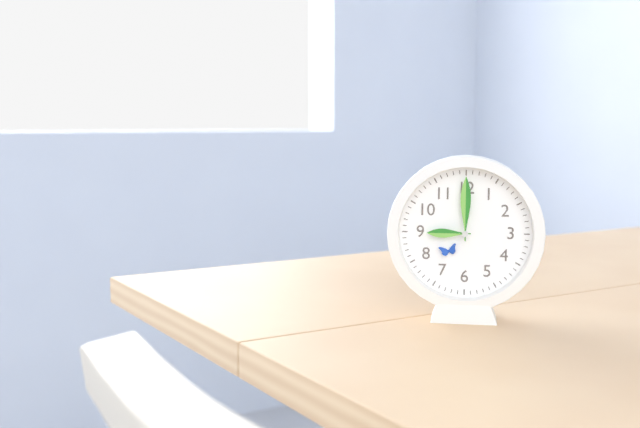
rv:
9h00
